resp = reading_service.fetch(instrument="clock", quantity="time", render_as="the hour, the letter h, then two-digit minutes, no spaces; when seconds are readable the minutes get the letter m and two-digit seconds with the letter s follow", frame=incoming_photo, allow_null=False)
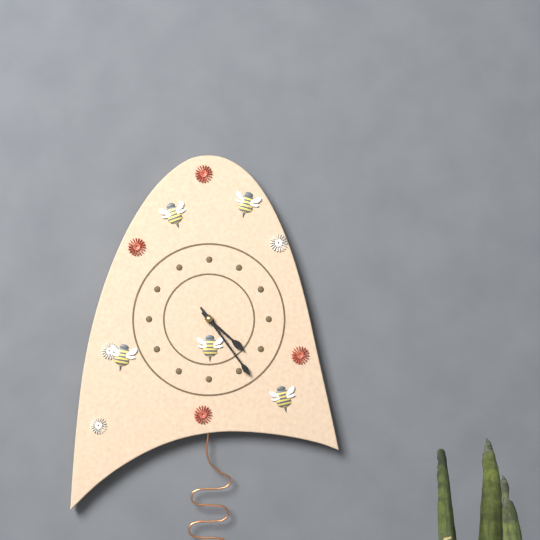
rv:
4h24
